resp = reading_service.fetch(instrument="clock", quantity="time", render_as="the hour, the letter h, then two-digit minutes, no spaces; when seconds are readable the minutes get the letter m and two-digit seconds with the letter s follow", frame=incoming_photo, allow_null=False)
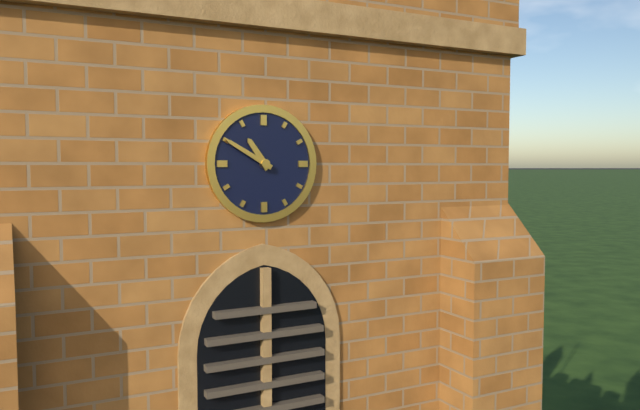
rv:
10h50
